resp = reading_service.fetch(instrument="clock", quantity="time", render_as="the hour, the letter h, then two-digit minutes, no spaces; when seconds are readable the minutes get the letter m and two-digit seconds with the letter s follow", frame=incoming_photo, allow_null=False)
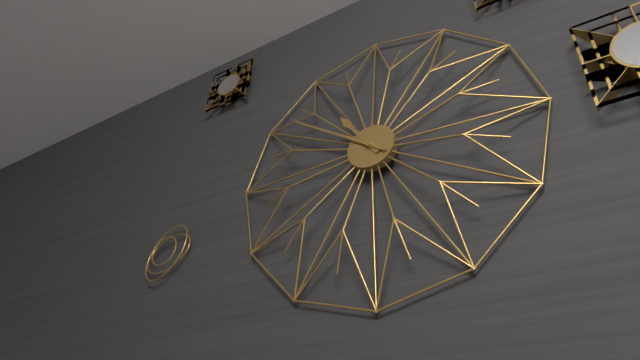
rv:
10h51
